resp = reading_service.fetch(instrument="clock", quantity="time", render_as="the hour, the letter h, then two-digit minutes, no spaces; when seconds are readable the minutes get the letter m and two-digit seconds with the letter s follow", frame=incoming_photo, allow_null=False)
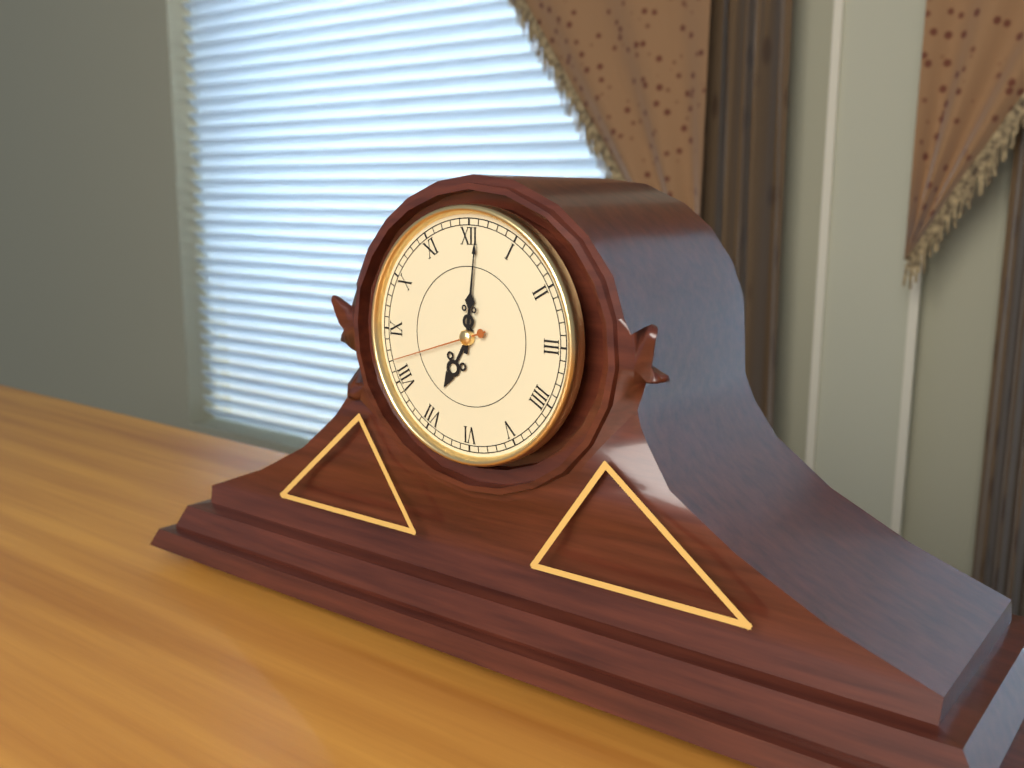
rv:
7h01m42s
